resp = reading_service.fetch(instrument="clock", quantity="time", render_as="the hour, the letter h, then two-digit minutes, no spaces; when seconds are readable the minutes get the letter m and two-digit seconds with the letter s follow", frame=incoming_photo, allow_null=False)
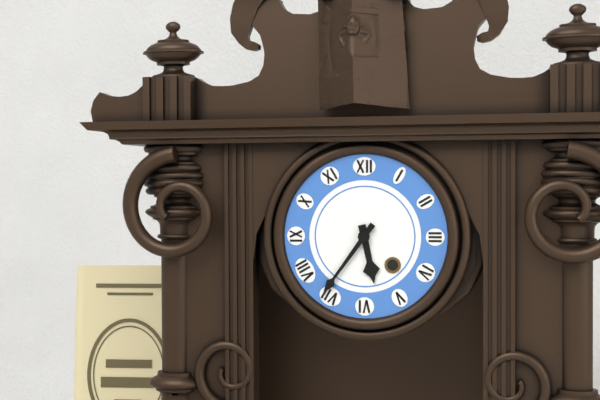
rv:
5h36
